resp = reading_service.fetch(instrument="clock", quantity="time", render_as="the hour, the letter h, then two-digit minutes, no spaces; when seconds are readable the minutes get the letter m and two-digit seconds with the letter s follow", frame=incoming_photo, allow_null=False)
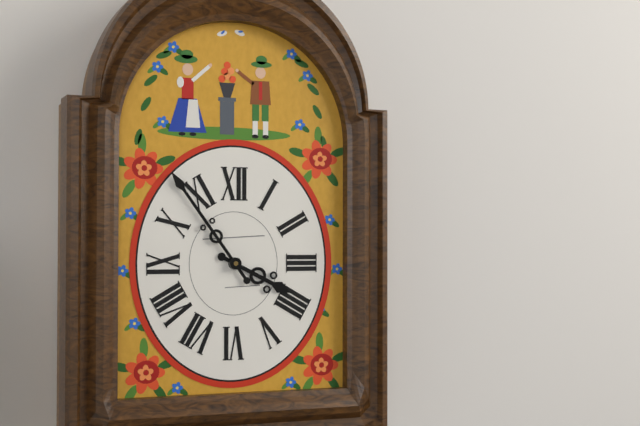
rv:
3h54
